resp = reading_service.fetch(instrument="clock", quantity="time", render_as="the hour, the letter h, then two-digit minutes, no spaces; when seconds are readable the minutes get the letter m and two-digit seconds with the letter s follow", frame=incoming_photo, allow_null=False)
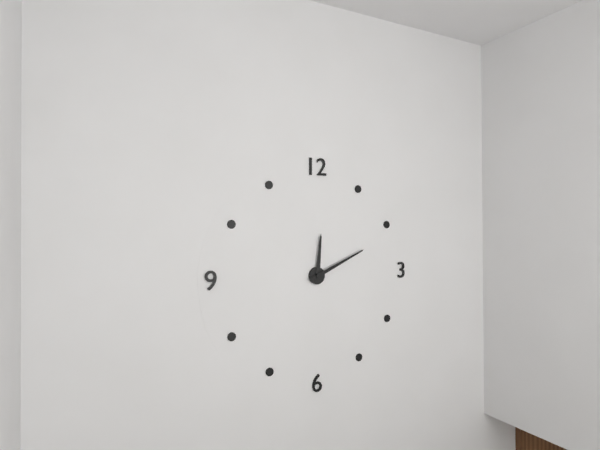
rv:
12h11
